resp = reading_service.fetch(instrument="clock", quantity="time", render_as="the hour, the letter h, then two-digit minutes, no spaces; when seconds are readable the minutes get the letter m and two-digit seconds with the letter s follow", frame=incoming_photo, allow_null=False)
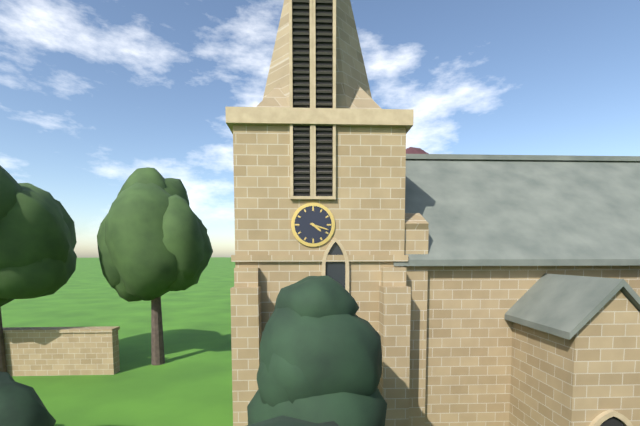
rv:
4h18
